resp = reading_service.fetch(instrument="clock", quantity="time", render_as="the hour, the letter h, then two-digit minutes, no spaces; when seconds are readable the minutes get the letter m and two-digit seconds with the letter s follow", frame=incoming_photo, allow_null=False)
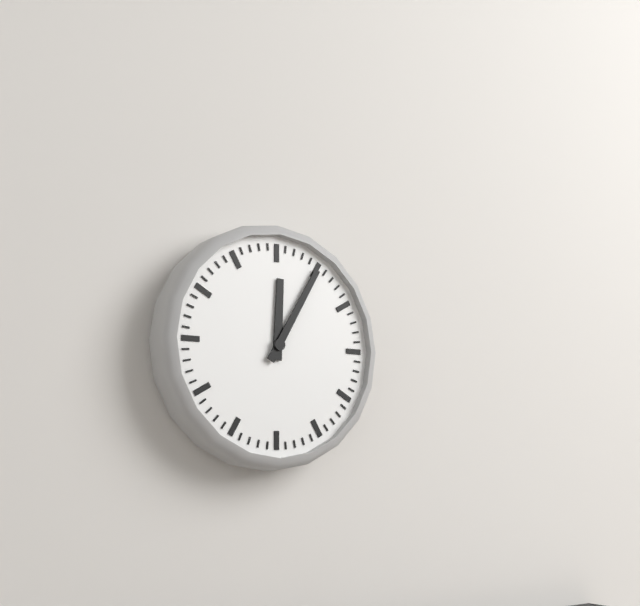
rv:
12h05
